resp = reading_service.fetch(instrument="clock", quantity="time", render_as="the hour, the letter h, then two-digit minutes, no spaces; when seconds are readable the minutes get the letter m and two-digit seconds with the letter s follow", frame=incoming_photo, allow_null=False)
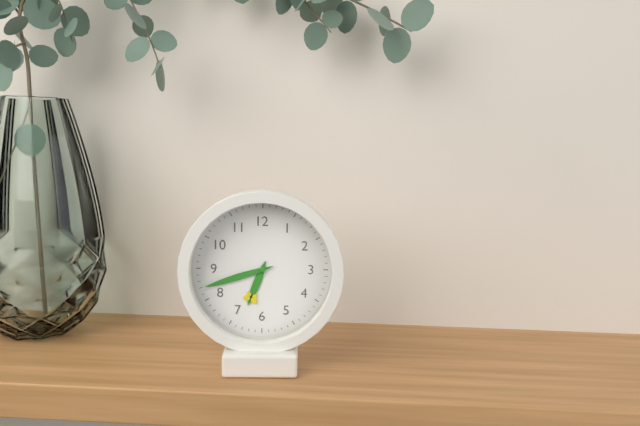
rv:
6h42
